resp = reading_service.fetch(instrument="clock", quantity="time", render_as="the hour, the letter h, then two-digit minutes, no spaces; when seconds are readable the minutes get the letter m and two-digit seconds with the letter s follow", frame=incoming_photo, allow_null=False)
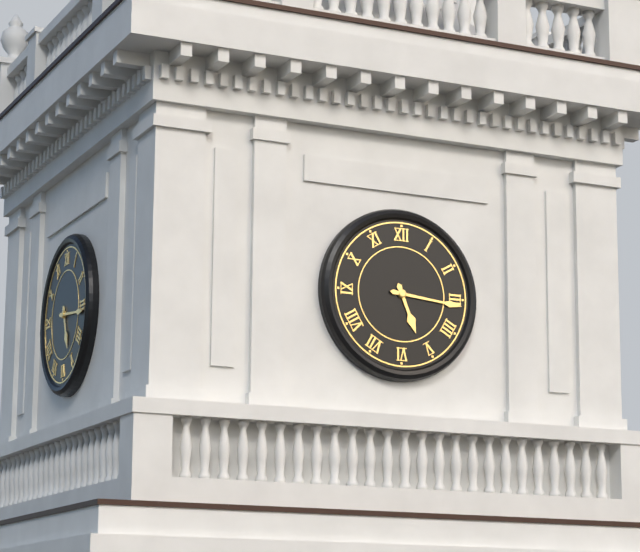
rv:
5h16
